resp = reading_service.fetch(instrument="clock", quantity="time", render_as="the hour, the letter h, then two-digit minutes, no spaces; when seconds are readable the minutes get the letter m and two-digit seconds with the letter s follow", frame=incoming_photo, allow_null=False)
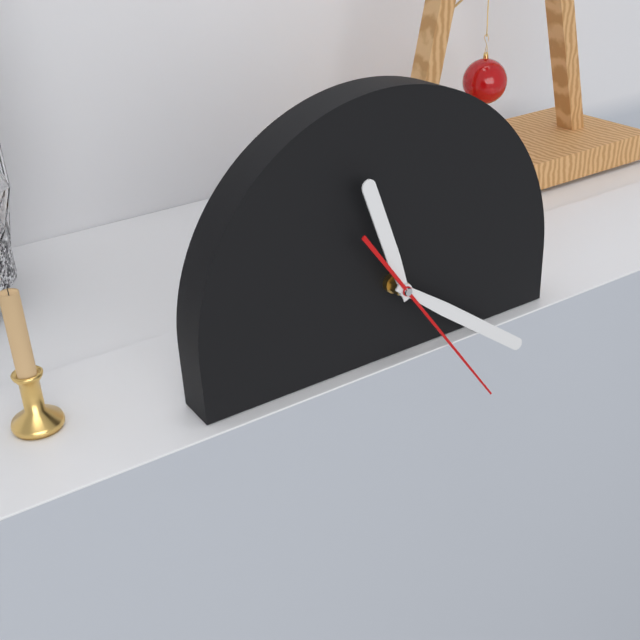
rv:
11h21m24s
